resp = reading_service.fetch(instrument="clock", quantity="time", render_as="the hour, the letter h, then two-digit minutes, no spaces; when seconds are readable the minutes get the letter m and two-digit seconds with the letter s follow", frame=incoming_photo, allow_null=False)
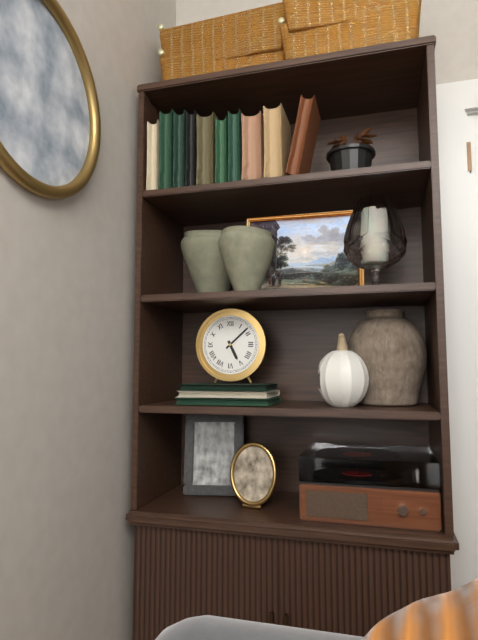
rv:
5h08
